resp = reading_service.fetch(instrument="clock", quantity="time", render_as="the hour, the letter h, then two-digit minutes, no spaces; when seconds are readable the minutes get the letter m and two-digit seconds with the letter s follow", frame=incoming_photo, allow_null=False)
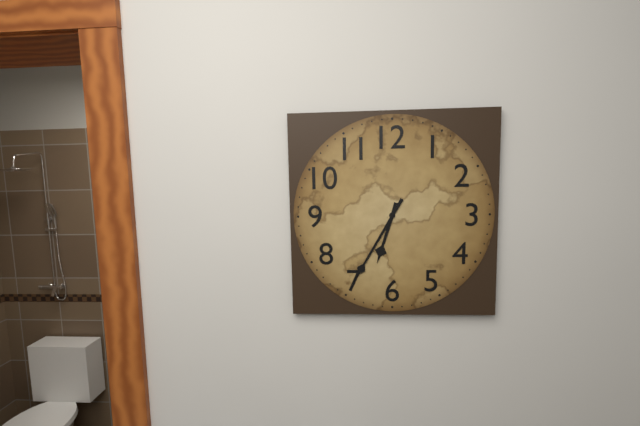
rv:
6h35
